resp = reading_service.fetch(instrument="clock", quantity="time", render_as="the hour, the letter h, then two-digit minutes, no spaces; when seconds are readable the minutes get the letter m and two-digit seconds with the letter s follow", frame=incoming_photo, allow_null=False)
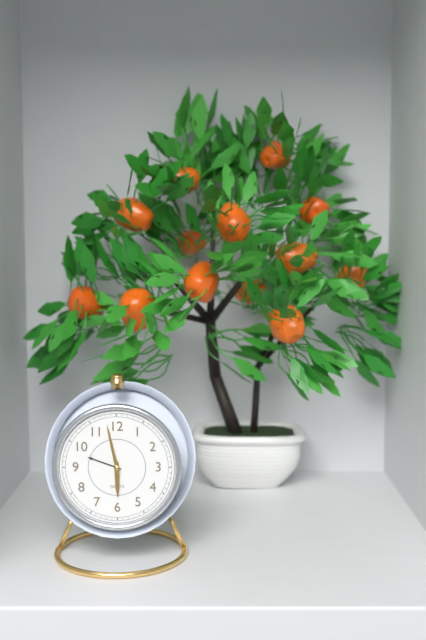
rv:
5h58
